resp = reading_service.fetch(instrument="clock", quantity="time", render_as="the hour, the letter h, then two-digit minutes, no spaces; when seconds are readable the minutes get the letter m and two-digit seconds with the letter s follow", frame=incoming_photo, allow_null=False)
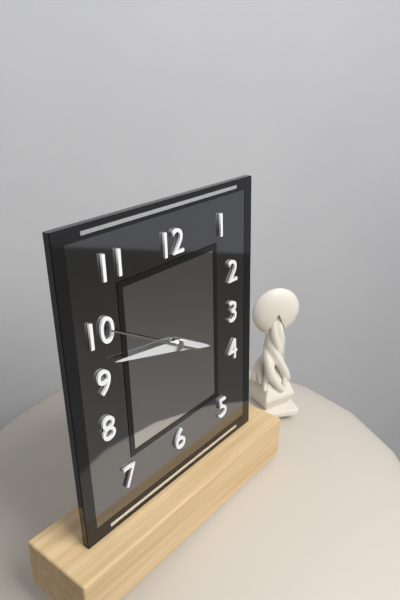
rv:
3h47m50s
